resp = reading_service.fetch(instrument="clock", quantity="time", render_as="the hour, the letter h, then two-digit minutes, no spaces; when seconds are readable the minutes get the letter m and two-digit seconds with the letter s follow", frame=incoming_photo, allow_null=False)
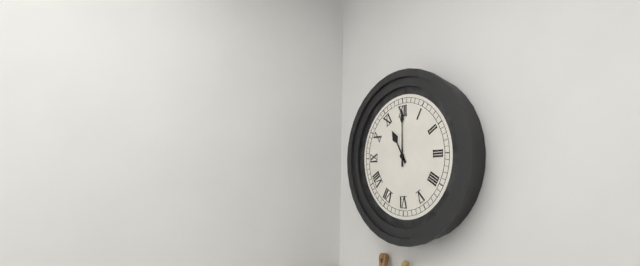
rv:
11h00
